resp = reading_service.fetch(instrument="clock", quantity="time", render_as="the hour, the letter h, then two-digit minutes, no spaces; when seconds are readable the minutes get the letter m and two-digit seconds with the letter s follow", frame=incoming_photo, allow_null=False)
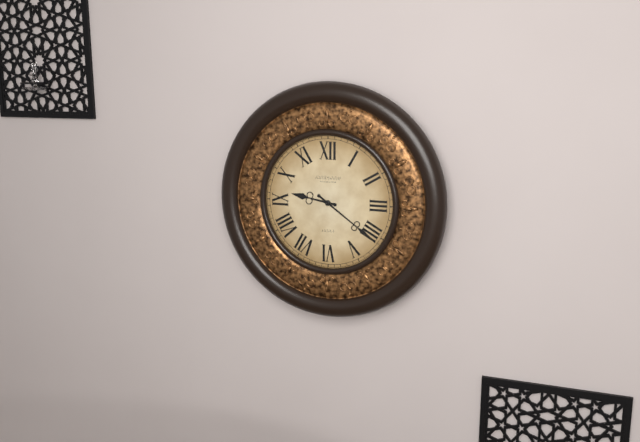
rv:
9h21
